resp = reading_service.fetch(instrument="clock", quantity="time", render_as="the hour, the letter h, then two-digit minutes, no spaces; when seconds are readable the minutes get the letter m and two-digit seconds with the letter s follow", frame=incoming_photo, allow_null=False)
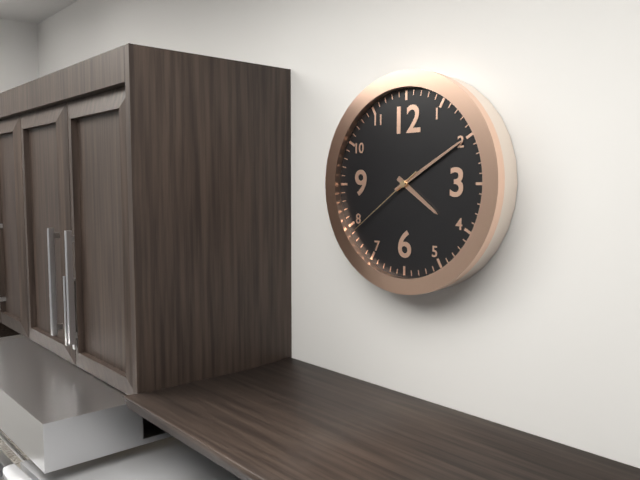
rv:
4h10m39s
